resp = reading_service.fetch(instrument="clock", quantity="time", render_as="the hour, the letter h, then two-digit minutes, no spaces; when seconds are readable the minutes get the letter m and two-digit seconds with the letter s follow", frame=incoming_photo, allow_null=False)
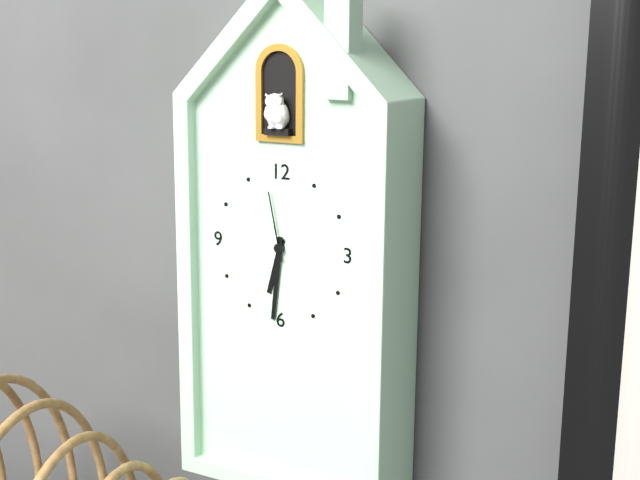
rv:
6h31m58s
